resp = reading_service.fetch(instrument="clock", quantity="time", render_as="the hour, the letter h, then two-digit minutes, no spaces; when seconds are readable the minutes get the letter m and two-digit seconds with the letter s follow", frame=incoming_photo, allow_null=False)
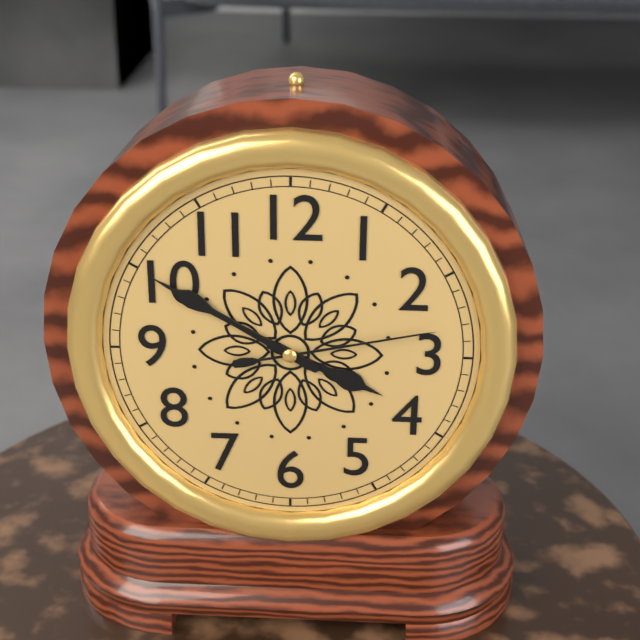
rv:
3h50m13s
